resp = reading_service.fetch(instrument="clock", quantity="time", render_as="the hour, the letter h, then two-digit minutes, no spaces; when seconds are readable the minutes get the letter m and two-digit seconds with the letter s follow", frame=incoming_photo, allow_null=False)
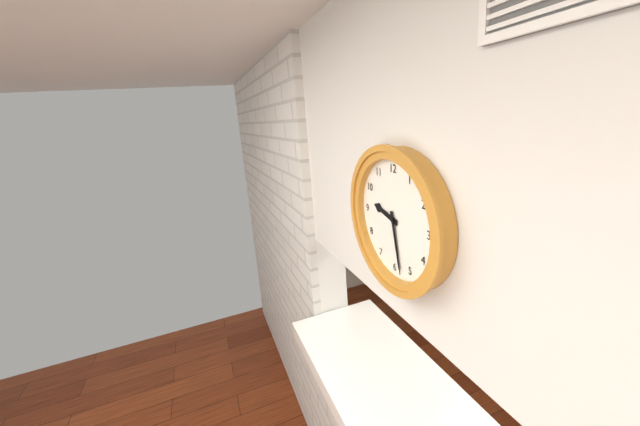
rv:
9h28
